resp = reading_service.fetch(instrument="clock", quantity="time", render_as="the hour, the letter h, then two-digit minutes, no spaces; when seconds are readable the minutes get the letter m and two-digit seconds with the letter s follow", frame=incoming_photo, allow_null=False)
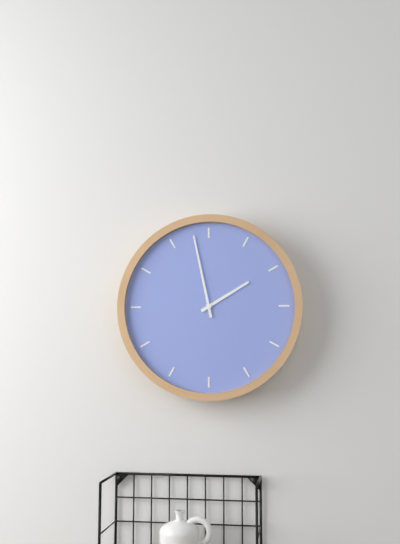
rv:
1h58
